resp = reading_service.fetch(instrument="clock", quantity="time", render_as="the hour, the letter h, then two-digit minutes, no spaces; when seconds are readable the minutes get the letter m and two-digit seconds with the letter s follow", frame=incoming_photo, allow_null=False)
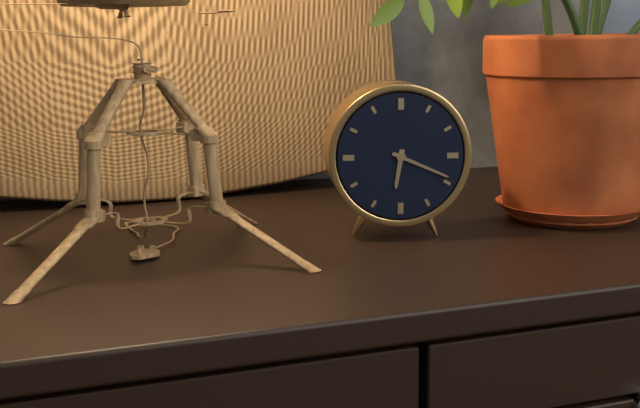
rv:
6h19
